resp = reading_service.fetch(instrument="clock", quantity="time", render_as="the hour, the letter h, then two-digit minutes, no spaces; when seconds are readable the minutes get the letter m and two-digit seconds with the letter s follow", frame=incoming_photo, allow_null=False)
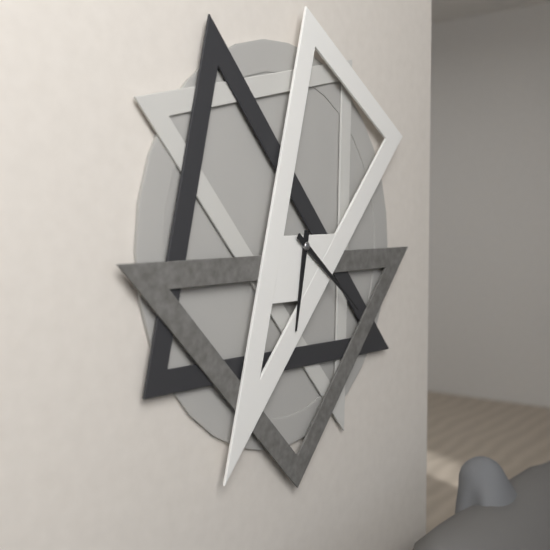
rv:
6h21
